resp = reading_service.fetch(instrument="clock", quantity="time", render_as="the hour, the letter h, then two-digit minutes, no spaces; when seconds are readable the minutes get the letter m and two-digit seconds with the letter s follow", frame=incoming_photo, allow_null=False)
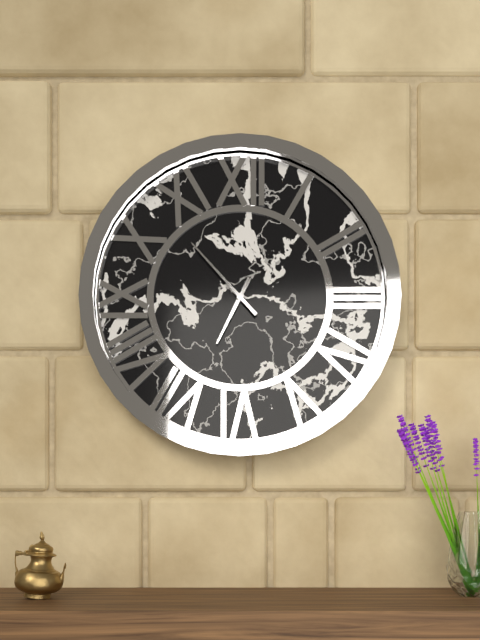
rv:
6h53
